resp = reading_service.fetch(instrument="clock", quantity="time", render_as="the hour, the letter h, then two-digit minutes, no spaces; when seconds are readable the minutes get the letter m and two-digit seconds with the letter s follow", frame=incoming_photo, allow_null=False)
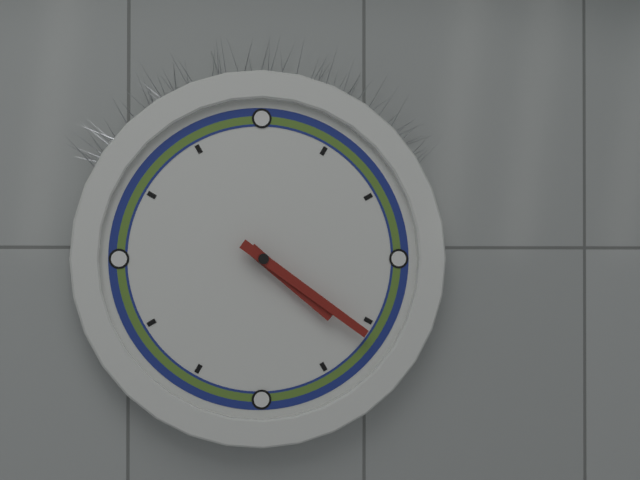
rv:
4h21
